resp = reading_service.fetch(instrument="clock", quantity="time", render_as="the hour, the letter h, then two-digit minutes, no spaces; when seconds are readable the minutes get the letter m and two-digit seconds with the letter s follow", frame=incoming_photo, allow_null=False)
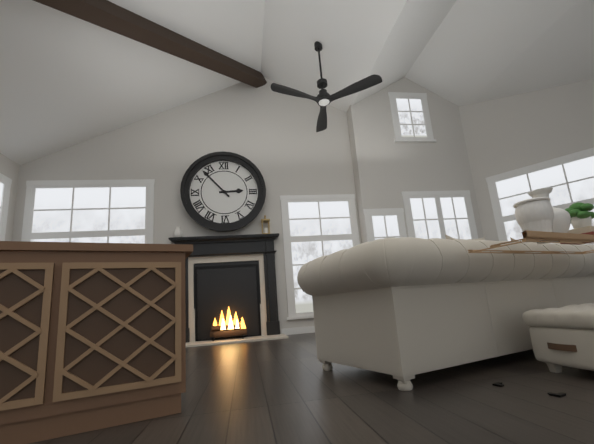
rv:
2h53
